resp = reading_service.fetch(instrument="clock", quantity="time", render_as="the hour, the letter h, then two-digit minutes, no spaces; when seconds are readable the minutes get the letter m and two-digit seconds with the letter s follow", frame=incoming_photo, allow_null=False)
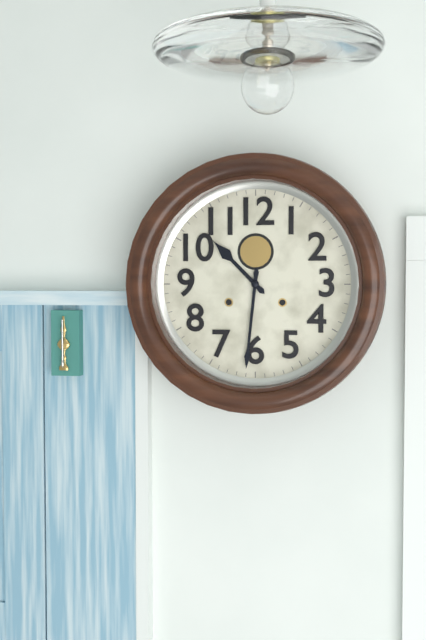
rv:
10h31
